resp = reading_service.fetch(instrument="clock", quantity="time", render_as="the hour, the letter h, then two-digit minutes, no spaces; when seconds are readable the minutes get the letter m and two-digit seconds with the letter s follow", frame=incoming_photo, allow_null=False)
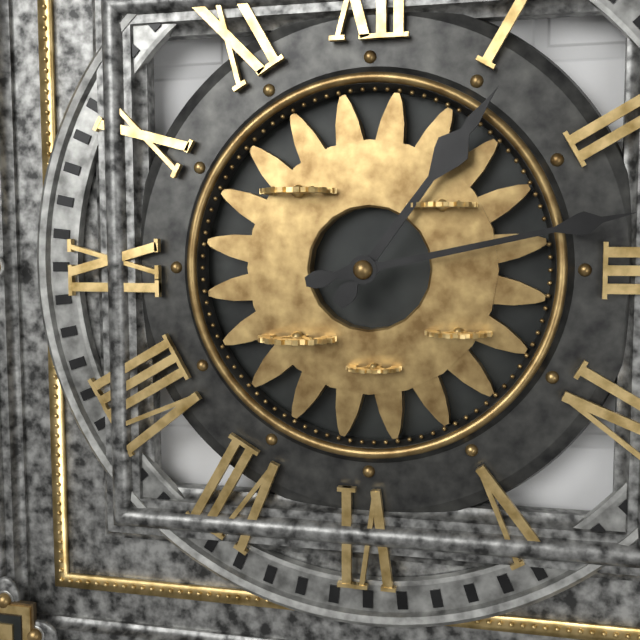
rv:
1h13
